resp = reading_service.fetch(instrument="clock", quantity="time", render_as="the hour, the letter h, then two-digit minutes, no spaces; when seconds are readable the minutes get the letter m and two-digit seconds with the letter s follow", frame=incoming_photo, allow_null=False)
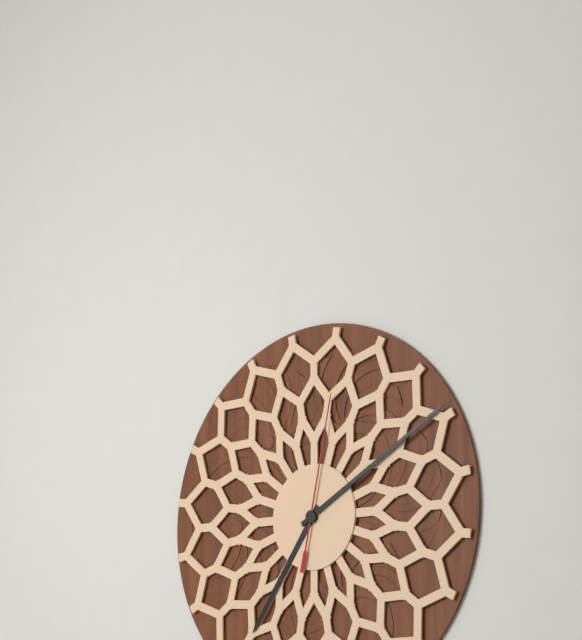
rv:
7h10m02s
